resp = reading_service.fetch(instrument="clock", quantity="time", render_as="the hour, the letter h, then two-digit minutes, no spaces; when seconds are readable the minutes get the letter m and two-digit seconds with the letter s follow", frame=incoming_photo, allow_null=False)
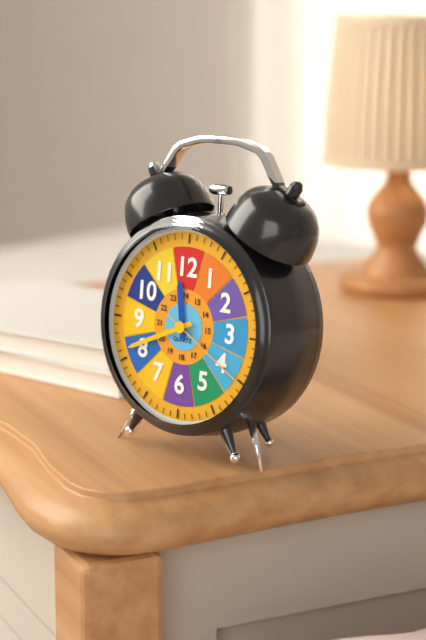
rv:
11h41m20s
